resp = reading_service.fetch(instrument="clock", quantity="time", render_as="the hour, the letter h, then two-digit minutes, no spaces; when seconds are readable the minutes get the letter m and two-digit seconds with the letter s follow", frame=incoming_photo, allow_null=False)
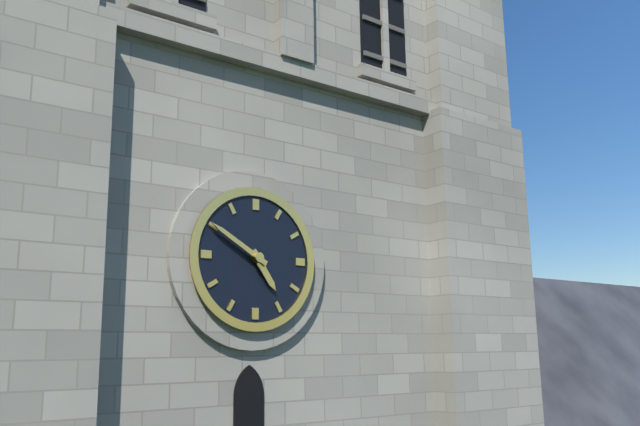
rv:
4h50
